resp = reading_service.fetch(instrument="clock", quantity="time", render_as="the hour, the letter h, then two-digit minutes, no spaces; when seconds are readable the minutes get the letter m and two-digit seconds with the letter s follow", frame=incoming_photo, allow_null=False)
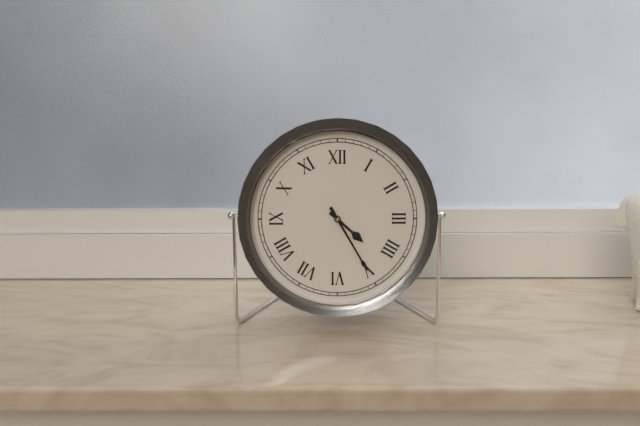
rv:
4h25
